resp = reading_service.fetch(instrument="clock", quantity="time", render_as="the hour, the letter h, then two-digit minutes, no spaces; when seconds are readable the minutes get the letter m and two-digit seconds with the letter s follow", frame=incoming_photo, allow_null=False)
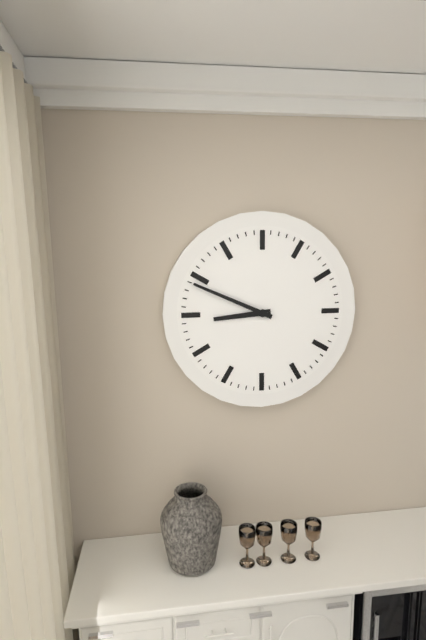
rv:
8h49
